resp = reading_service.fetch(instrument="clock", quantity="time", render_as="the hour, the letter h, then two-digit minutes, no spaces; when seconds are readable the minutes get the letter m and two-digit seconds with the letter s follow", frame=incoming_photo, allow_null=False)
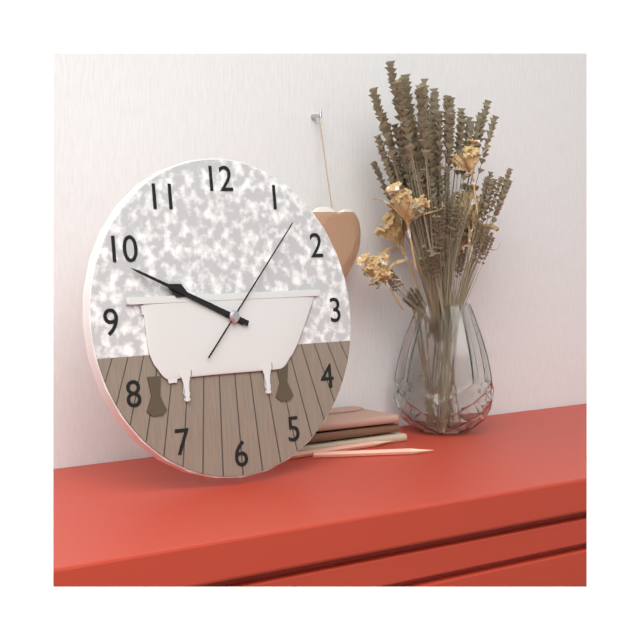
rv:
9h49m07s
